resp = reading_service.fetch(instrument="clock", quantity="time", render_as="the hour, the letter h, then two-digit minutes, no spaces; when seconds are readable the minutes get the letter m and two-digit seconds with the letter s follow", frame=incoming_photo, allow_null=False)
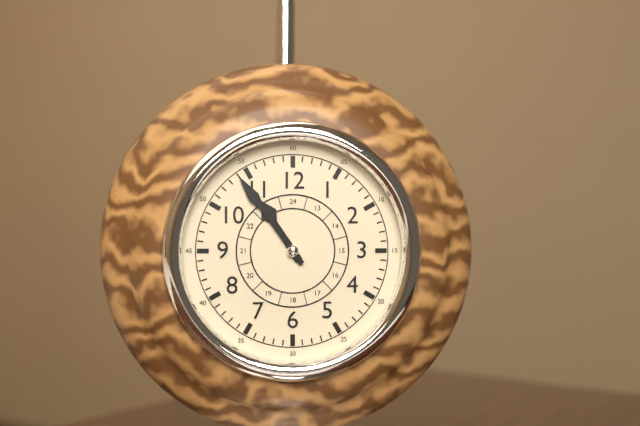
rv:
10h54
